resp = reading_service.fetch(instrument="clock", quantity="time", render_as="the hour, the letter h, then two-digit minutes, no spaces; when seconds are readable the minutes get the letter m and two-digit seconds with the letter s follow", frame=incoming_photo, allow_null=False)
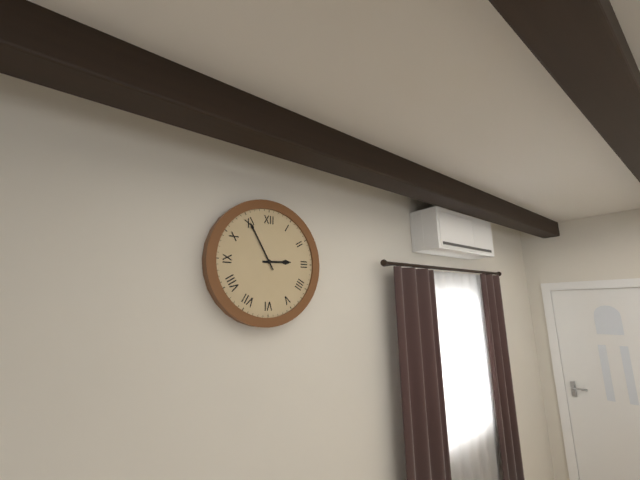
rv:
2h55
